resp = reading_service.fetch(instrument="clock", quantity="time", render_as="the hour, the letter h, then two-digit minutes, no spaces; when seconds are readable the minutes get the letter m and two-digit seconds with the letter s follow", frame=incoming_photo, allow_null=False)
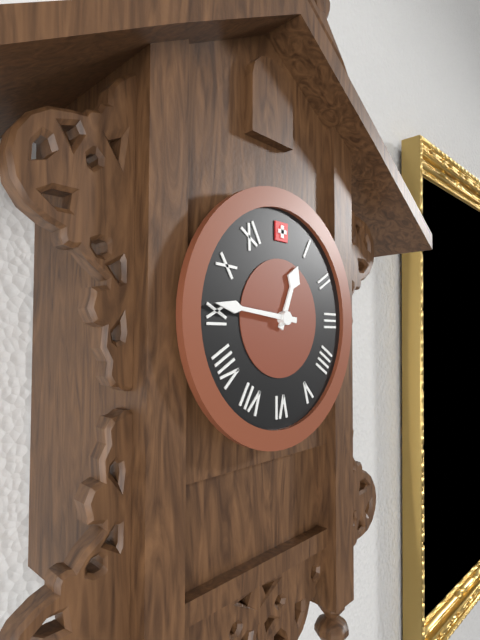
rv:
12h46
